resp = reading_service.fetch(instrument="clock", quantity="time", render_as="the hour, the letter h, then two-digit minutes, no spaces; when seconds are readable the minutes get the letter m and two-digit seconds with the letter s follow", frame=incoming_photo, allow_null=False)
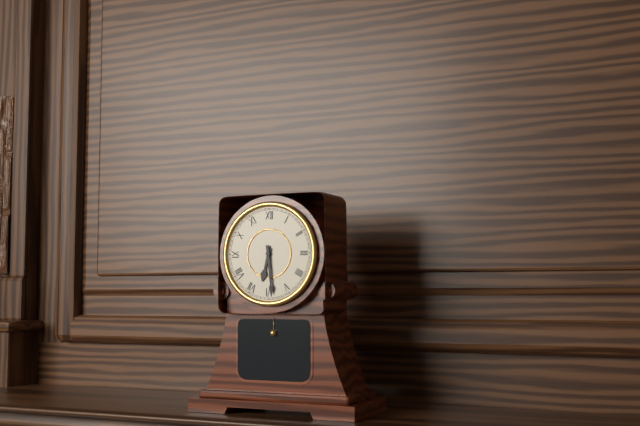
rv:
6h29
